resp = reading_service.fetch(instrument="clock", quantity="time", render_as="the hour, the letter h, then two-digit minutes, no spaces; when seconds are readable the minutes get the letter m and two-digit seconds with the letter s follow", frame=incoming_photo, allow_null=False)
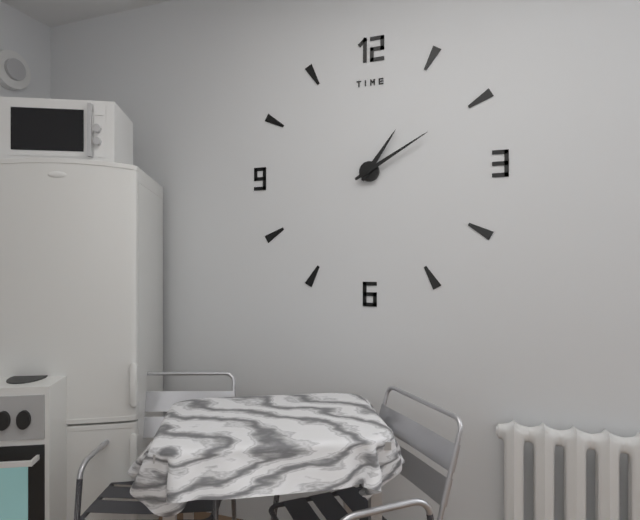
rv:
1h10
